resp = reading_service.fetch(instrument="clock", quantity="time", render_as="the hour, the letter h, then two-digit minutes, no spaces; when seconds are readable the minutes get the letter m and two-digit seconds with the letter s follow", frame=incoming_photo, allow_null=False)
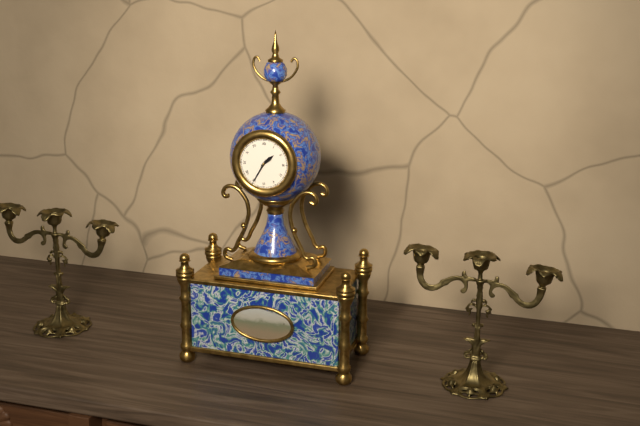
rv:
1h35
